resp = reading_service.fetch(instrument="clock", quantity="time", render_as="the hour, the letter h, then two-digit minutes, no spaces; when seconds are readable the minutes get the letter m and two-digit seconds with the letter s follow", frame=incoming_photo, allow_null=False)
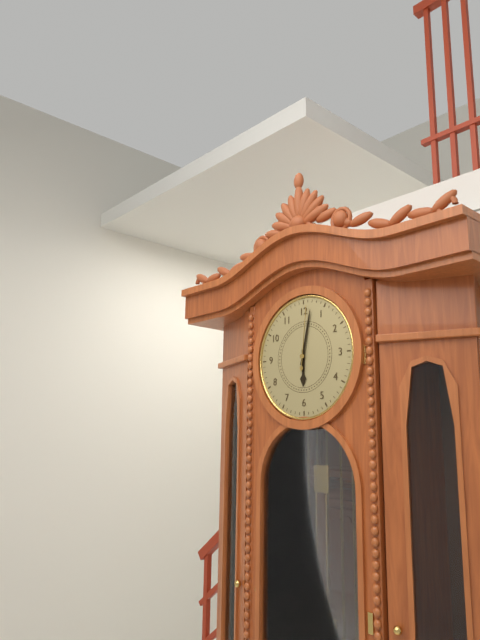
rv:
6h02m01s
